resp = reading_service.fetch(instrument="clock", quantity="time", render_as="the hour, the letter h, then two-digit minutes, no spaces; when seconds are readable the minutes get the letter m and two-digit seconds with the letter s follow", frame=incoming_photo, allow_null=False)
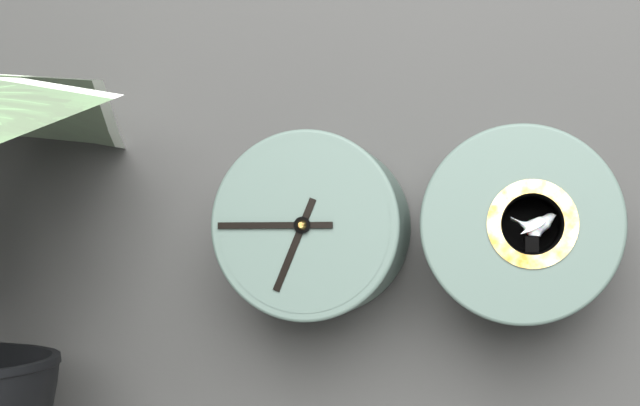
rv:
6h45
